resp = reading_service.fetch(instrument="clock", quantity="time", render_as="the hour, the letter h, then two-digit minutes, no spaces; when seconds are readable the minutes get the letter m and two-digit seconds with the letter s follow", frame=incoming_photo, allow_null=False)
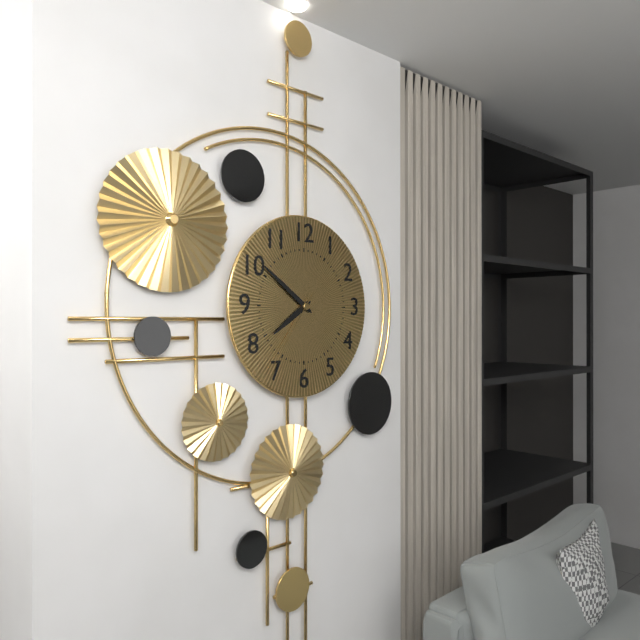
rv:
7h51m36s
